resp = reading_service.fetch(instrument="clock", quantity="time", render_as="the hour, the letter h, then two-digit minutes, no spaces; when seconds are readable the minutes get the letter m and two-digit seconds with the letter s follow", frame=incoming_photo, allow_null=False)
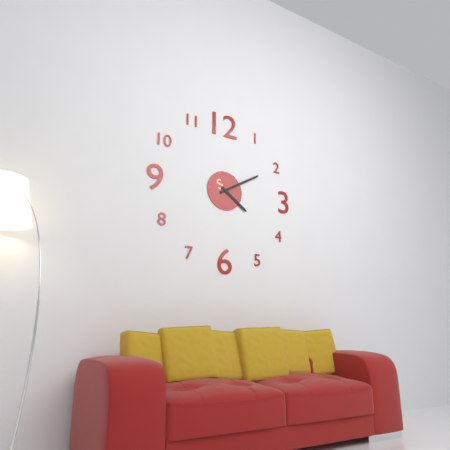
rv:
4h10
